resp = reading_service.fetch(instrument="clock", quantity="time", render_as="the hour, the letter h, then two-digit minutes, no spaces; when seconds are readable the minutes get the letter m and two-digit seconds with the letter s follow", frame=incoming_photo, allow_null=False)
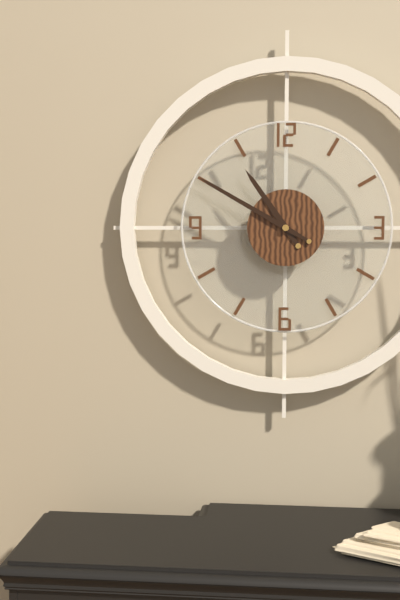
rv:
10h50
